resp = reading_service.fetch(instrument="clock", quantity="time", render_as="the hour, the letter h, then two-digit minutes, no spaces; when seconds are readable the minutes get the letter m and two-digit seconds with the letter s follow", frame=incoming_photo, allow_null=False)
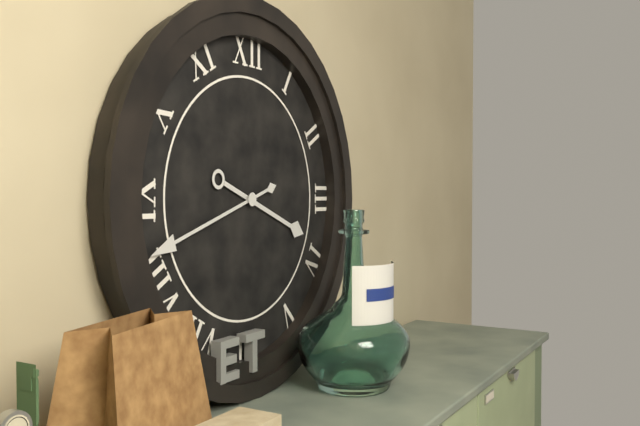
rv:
3h42
